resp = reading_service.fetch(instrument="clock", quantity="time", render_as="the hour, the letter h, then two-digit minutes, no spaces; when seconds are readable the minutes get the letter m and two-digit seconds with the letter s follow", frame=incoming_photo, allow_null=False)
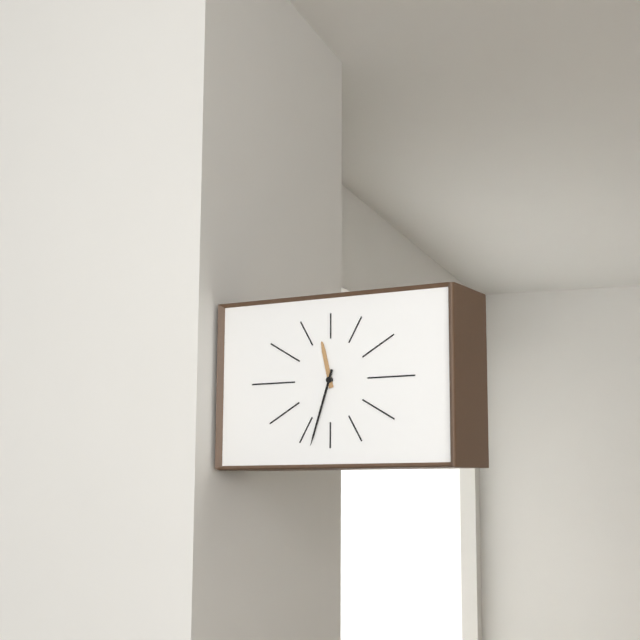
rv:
11h33
